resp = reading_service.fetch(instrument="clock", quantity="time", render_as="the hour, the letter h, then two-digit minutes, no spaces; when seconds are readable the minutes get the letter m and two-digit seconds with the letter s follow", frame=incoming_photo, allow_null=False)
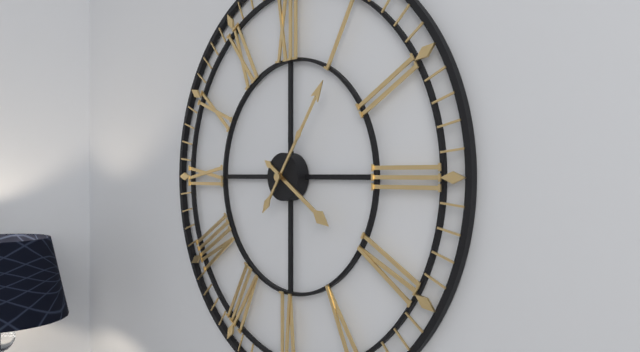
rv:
4h06
